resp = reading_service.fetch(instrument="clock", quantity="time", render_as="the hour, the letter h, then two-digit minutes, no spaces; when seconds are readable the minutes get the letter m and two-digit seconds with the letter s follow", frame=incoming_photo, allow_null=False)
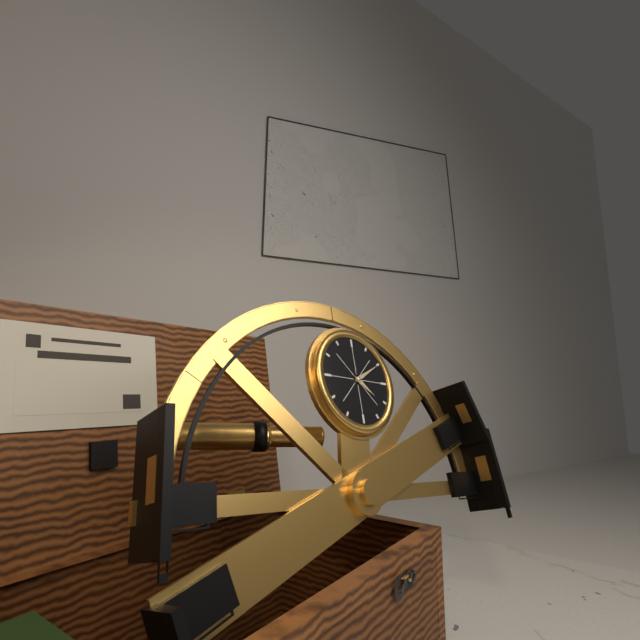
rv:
4h10
